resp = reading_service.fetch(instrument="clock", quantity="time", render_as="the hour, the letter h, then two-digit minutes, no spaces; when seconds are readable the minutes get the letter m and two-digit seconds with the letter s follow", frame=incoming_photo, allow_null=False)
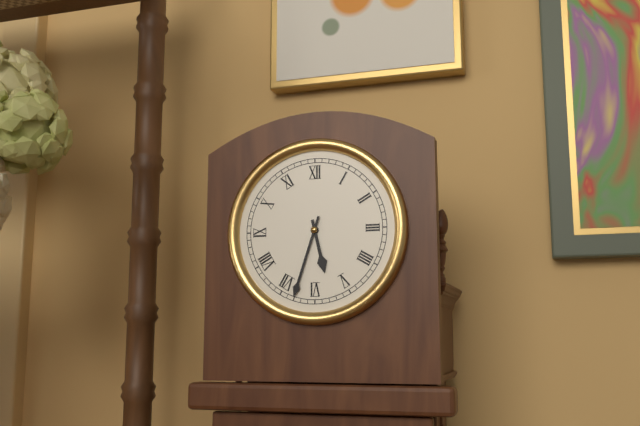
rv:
5h33
